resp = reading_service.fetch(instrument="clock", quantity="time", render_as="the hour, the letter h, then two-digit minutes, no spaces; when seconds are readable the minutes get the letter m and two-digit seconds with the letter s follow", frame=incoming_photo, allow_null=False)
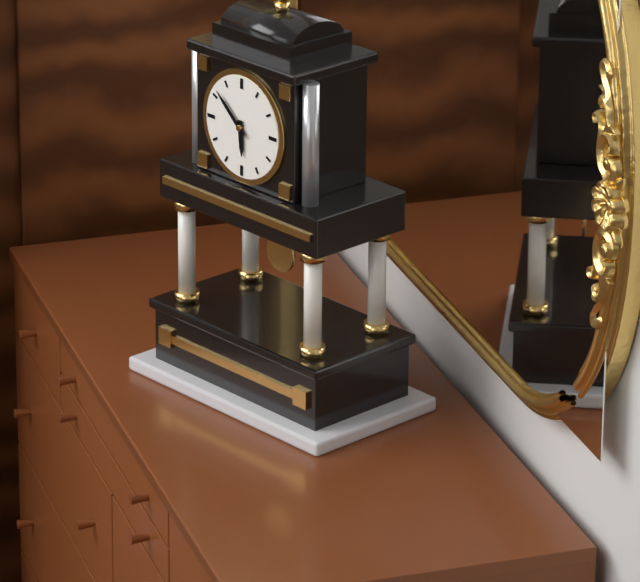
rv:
5h52
